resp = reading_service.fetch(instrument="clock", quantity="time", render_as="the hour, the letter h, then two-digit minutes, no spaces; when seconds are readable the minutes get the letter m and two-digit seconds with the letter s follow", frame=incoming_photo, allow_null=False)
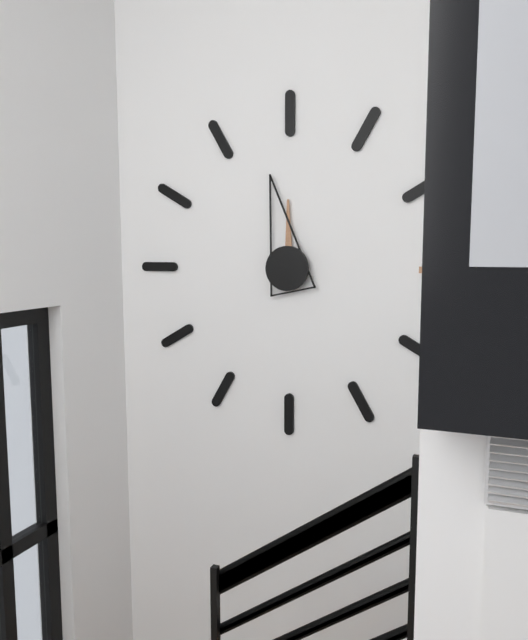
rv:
11h58
